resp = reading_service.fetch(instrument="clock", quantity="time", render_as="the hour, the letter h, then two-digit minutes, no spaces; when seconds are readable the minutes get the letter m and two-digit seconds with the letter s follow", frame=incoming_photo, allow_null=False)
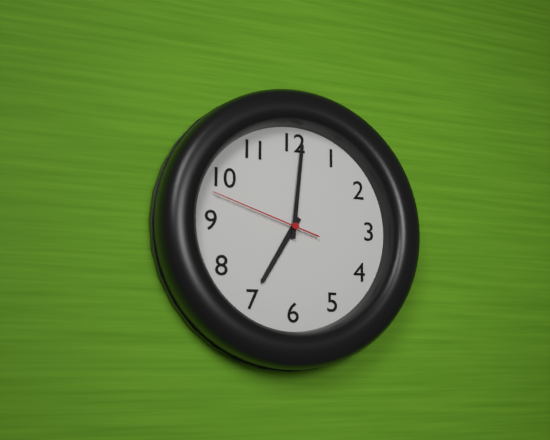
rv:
7h01m48s
